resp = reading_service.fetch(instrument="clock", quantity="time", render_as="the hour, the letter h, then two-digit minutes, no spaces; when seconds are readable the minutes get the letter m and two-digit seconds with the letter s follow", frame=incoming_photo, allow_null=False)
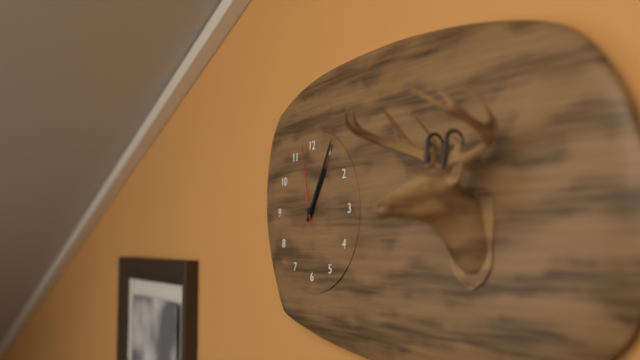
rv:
1h05m58s
